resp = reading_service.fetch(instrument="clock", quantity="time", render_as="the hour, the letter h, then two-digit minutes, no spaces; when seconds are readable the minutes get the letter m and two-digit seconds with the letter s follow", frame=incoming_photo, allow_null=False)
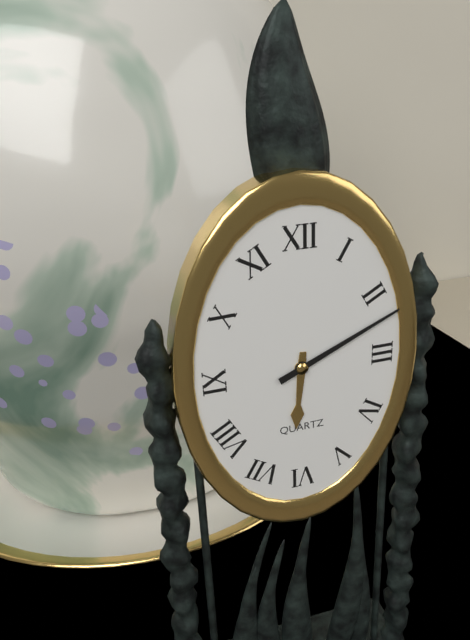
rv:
6h11
